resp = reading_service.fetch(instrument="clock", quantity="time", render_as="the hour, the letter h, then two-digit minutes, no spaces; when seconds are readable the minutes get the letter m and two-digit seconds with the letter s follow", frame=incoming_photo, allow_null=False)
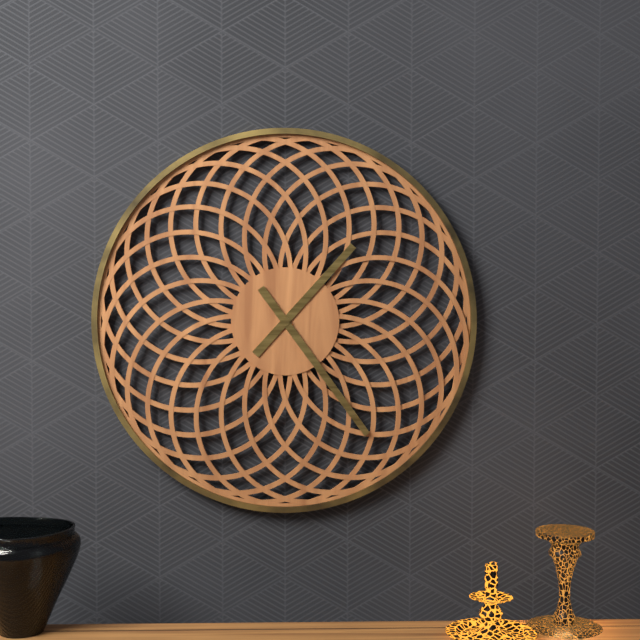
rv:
1h24
